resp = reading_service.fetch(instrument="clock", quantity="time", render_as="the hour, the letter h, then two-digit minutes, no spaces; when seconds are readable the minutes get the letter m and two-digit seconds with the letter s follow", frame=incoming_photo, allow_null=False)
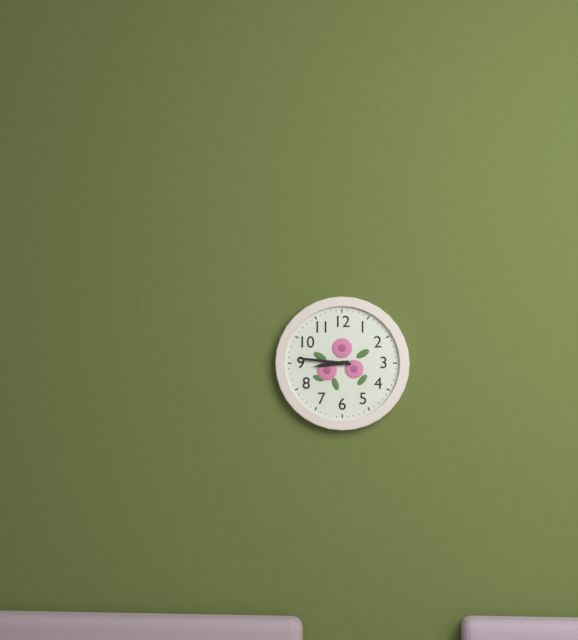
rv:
8h46
